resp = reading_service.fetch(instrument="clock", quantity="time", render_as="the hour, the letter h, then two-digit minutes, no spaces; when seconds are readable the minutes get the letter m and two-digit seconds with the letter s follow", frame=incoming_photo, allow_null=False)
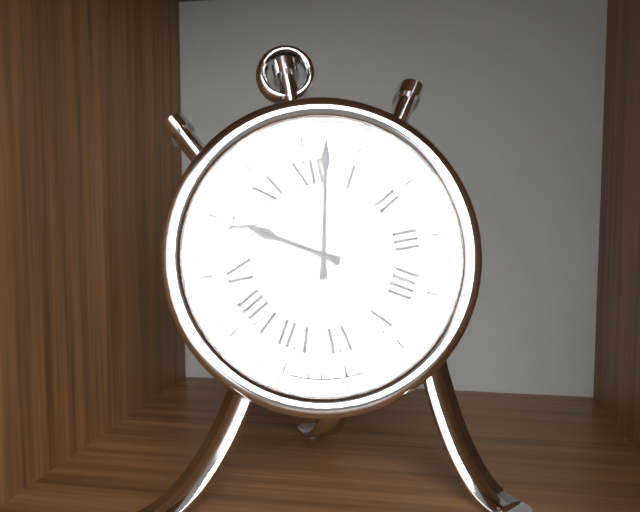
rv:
10h02
